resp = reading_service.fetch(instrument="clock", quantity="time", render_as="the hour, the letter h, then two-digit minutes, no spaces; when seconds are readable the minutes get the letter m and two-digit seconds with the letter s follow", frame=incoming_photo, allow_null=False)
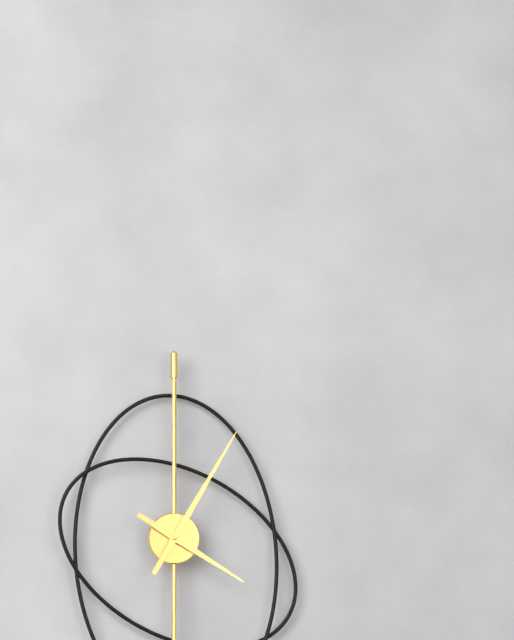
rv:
4h05
